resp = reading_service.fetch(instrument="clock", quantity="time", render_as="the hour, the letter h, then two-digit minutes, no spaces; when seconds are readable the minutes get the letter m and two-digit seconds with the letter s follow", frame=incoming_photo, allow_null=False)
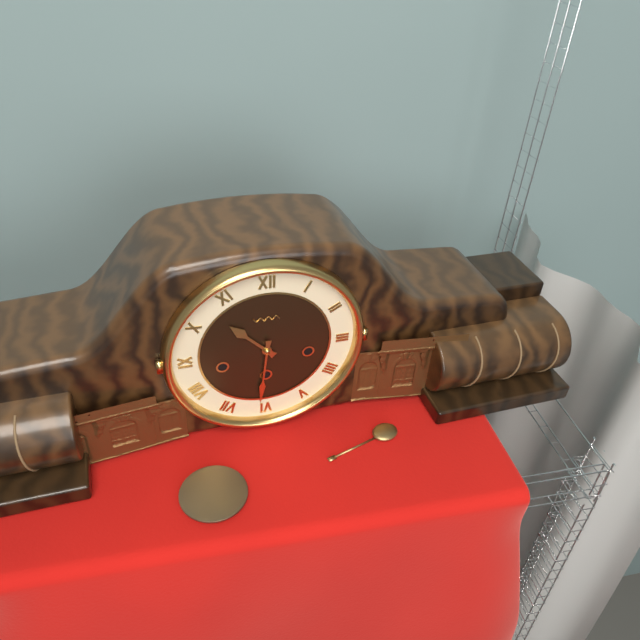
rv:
10h31
